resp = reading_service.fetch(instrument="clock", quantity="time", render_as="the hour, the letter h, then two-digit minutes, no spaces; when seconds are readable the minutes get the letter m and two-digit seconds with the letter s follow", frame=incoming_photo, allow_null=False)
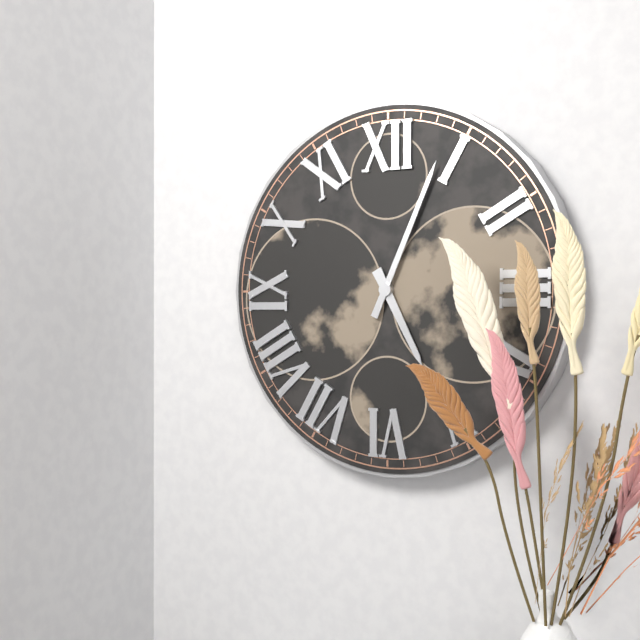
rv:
5h04
